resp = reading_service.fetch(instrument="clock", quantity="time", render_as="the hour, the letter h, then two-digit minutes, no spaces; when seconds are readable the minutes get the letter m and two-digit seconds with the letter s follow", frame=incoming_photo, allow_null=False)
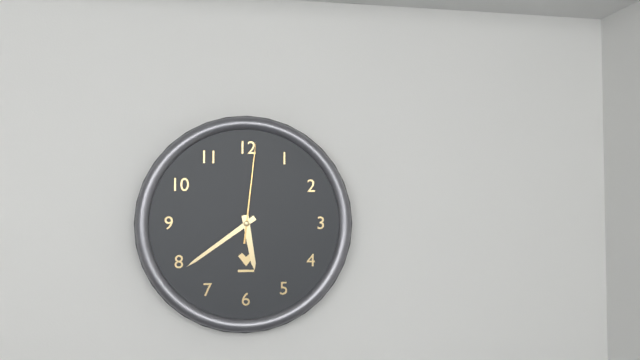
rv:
5h39m01s
